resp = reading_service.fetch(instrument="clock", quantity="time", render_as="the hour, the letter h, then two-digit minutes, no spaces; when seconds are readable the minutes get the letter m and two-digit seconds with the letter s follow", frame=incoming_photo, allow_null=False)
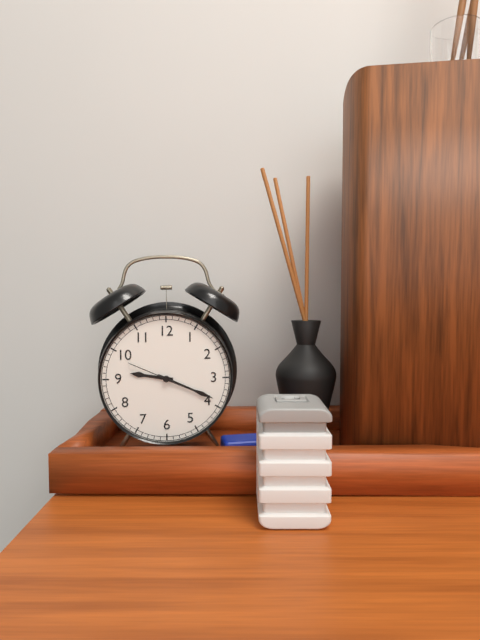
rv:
9h19m49s
